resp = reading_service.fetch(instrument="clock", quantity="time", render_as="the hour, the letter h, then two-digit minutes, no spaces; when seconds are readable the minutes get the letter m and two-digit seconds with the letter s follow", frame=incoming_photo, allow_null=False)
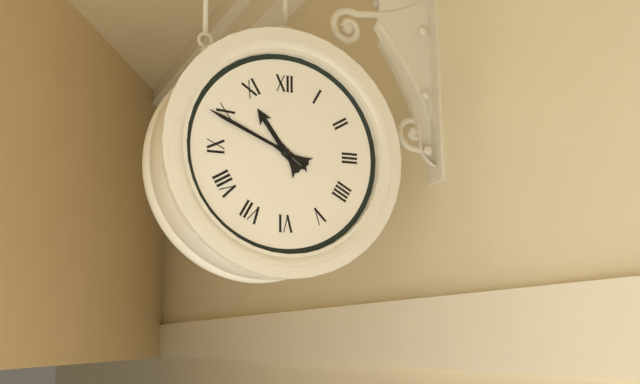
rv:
10h49
